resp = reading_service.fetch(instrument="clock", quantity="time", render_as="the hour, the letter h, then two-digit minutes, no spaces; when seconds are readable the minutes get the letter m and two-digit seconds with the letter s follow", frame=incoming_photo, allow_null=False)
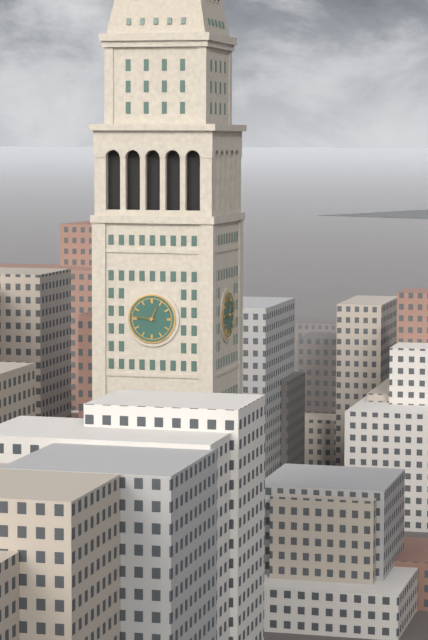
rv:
12h46
